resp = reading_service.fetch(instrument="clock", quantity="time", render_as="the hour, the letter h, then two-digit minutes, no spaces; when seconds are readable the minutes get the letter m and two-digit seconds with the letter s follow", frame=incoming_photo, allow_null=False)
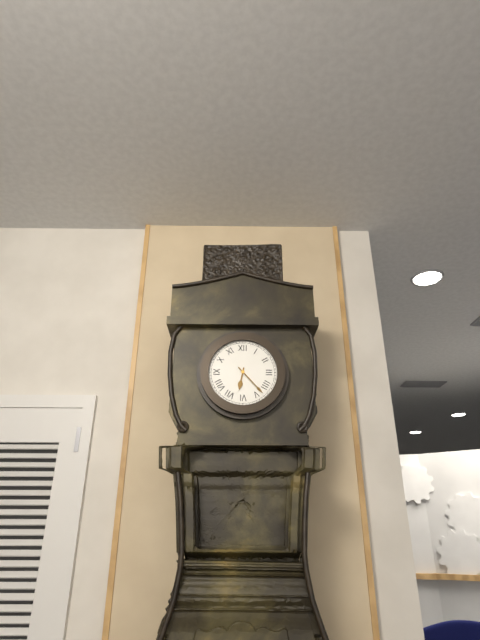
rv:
6h23
